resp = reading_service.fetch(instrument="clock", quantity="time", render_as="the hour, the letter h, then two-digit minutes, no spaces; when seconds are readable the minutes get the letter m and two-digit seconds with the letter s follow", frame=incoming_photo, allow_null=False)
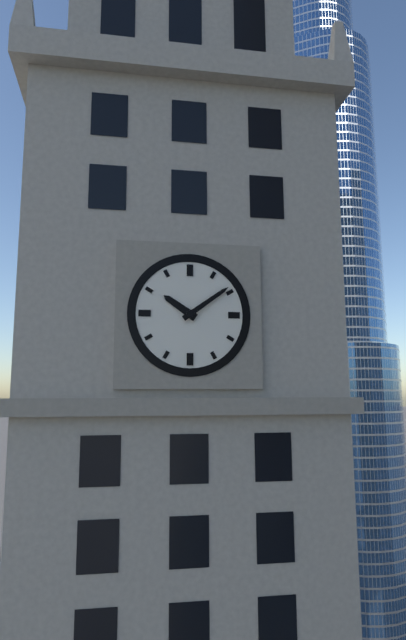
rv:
10h09
